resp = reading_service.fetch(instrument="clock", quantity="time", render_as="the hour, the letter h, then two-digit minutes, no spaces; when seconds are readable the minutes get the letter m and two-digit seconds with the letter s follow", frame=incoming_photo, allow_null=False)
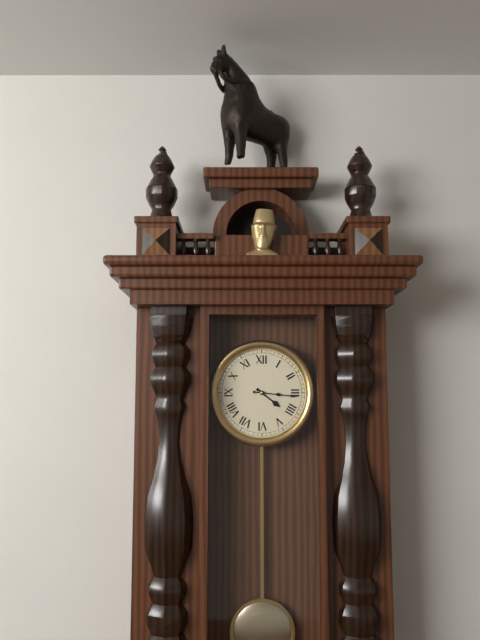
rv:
4h16
